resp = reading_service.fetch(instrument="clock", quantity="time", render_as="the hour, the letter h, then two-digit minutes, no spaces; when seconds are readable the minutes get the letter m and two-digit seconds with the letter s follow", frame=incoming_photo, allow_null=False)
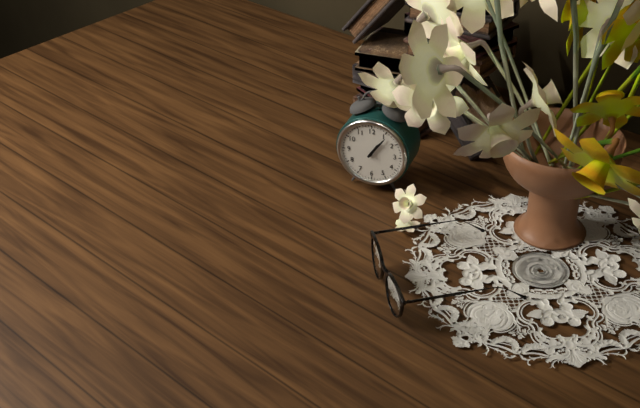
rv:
1h06
